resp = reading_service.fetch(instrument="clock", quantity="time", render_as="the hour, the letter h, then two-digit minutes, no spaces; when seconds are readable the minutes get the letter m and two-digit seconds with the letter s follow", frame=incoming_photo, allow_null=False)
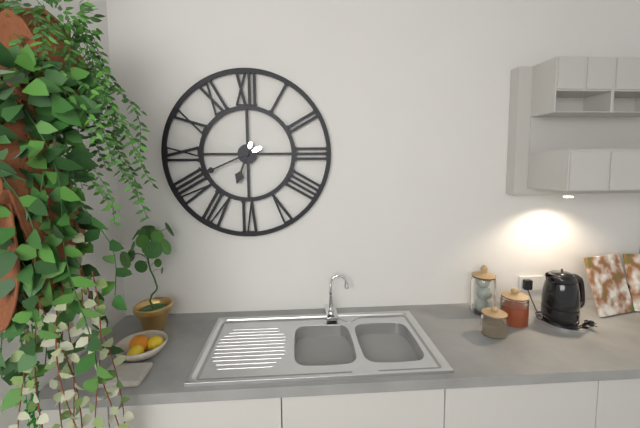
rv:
6h41
